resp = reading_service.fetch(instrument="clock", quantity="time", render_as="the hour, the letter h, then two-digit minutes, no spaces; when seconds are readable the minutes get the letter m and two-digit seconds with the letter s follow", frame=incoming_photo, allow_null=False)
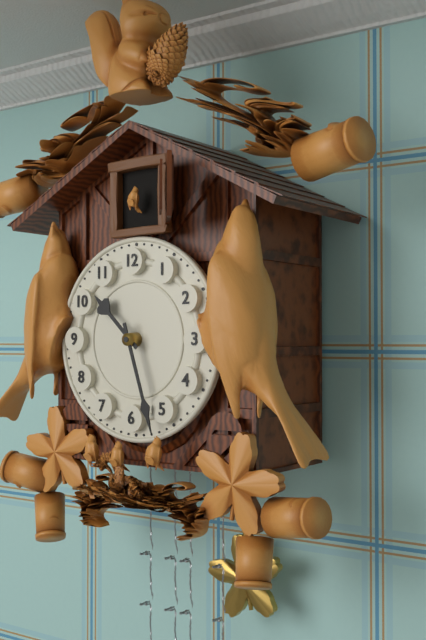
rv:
10h27
